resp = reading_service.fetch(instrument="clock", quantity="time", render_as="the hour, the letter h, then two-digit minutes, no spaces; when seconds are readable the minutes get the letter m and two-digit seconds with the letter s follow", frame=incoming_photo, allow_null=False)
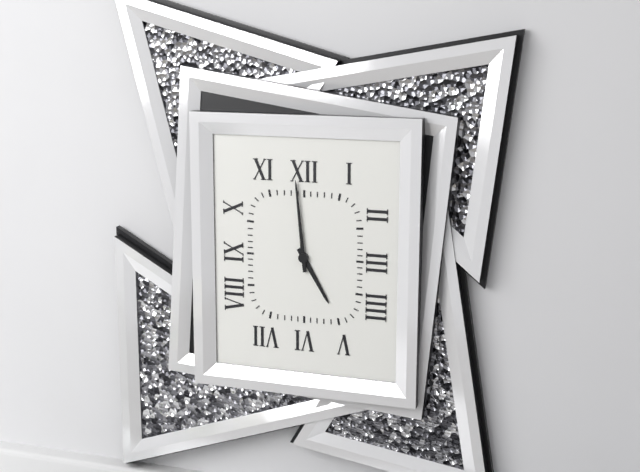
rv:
4h59
